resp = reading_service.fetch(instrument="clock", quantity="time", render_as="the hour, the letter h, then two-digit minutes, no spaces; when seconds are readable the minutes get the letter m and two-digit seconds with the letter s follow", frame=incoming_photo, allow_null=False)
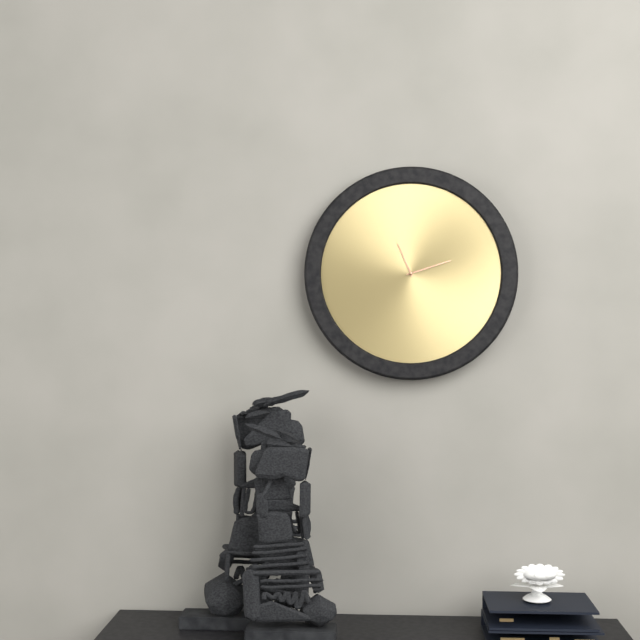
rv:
11h12
